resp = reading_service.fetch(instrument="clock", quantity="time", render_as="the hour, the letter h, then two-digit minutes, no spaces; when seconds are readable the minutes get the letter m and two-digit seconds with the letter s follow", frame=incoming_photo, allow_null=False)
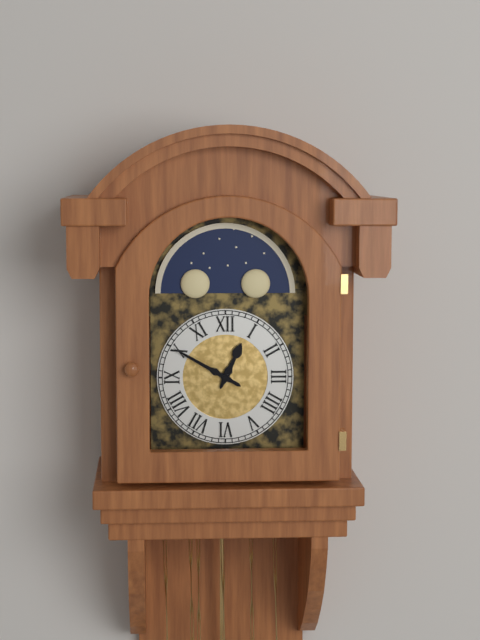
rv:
12h50
